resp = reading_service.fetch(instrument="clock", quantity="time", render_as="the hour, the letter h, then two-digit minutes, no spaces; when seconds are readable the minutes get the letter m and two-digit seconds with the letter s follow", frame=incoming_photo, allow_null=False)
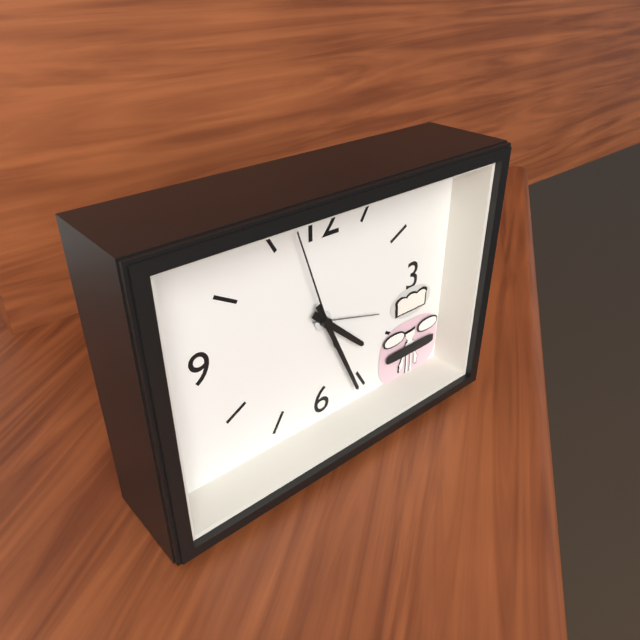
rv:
4h26m57s
